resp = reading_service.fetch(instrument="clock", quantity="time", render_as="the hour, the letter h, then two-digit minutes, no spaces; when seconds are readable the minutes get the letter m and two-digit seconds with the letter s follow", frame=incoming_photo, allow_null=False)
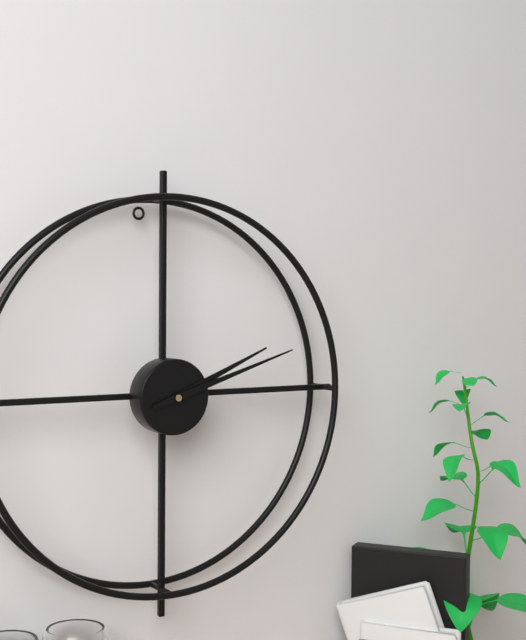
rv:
2h12
